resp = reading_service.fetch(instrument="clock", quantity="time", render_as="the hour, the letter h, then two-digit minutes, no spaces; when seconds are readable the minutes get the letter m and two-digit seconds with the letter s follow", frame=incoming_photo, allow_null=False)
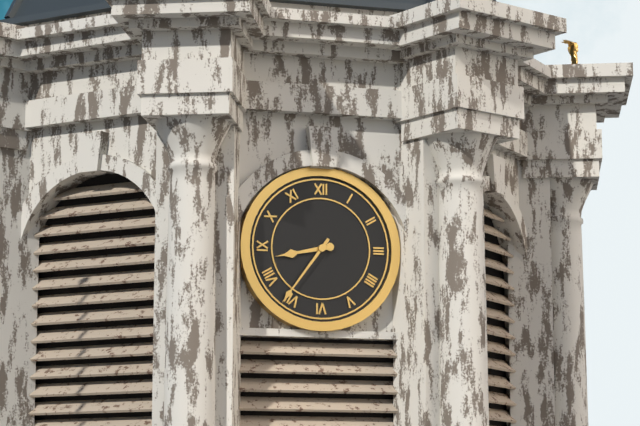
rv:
8h36
